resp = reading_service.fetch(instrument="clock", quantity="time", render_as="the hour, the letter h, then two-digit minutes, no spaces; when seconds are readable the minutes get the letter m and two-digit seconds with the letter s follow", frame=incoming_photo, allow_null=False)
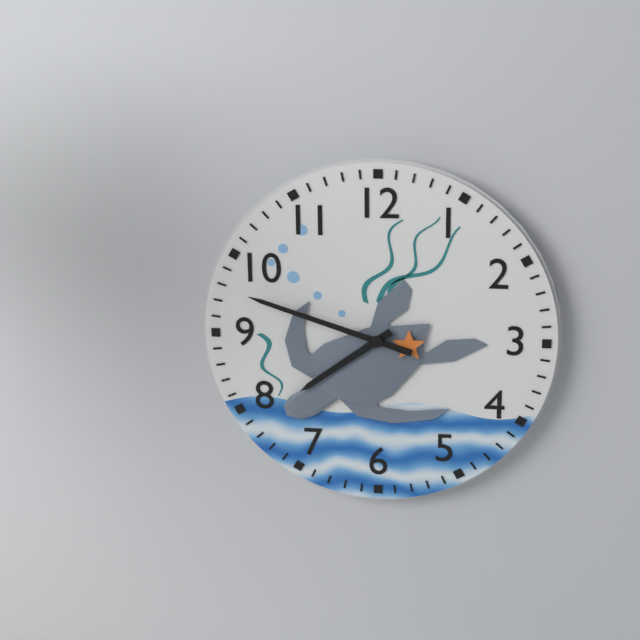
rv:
7h48
